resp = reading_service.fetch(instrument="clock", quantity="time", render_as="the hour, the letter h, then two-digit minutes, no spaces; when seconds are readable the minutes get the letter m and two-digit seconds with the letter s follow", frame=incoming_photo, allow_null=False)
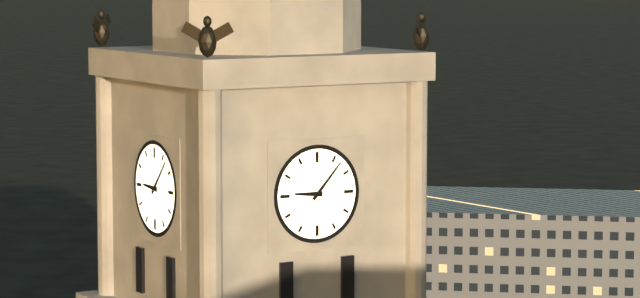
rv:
9h07
